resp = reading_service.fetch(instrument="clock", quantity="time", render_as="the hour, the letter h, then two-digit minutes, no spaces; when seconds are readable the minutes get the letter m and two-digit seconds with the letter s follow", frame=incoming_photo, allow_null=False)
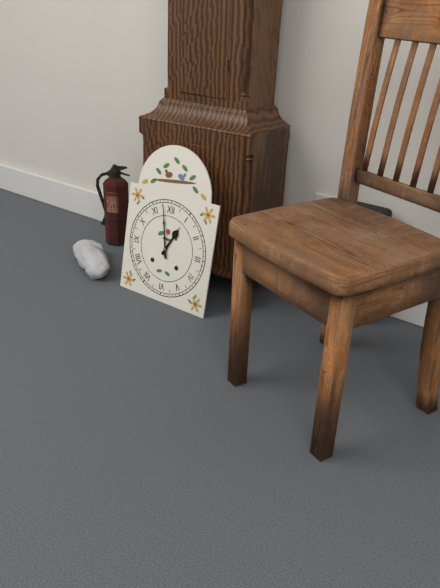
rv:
12h58
